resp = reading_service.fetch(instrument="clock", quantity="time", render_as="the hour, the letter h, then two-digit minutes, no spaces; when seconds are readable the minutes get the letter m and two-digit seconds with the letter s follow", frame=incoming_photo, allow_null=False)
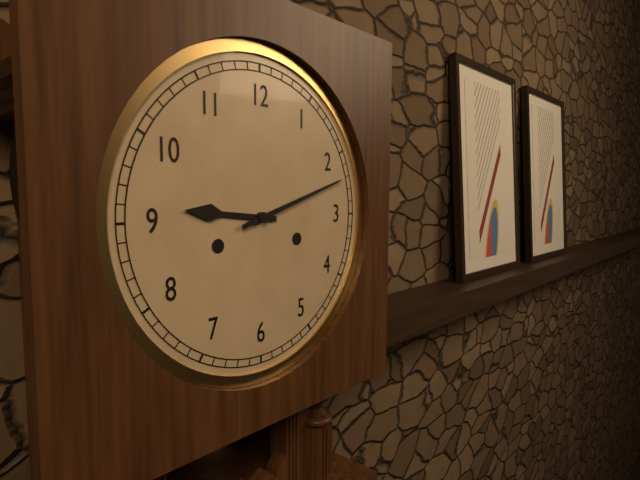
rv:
9h12
